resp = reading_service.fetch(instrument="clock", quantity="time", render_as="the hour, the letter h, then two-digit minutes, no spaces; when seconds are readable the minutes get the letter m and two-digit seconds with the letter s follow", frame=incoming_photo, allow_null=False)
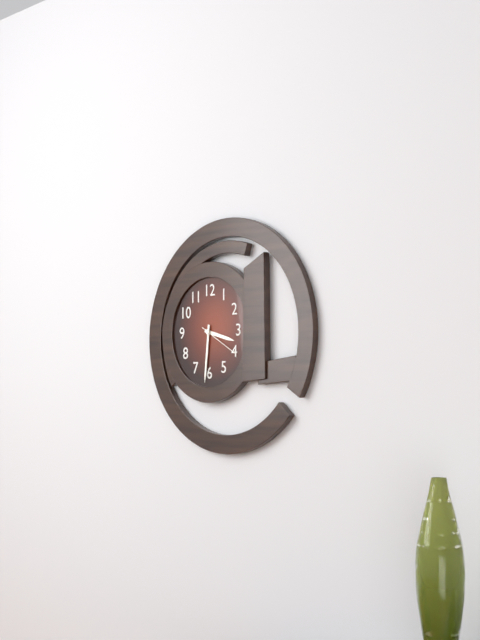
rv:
3h31
